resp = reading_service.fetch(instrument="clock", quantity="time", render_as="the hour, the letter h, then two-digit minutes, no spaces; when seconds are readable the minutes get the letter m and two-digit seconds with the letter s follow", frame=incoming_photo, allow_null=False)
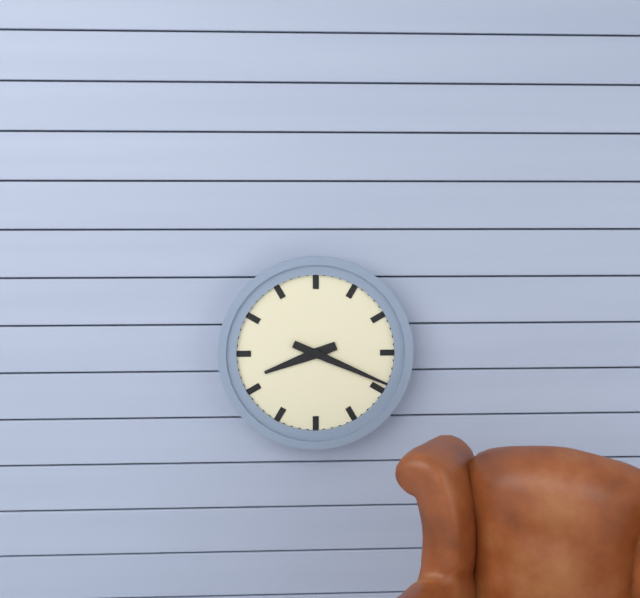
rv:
8h19
